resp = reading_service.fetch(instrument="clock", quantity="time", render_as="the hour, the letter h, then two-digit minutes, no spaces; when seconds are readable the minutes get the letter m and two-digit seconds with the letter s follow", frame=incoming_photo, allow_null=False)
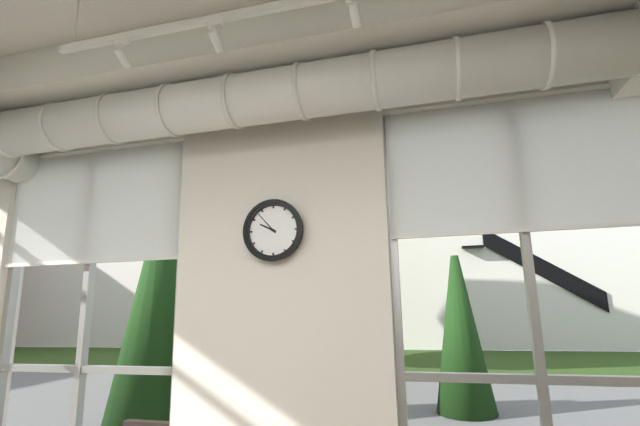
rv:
9h53
